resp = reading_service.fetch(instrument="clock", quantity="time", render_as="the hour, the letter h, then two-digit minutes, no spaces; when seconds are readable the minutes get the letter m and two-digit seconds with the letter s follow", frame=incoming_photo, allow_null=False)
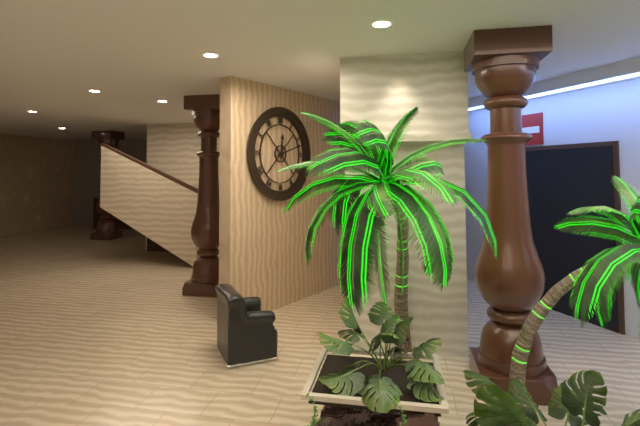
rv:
12h12
